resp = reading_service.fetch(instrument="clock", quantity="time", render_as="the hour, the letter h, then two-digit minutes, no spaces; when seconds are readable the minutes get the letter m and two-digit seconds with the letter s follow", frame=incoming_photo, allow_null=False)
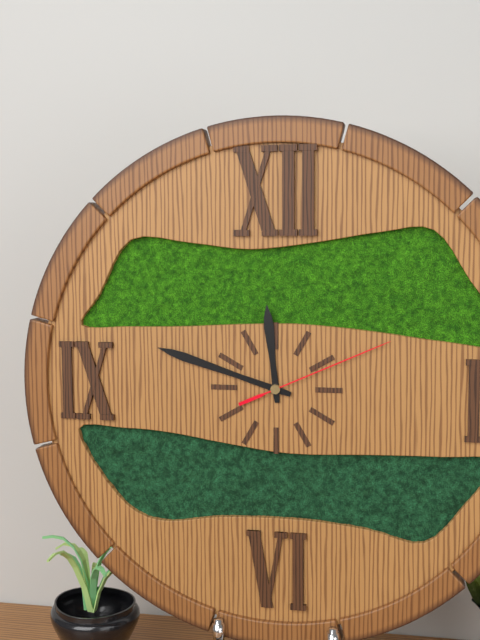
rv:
11h48m11s
